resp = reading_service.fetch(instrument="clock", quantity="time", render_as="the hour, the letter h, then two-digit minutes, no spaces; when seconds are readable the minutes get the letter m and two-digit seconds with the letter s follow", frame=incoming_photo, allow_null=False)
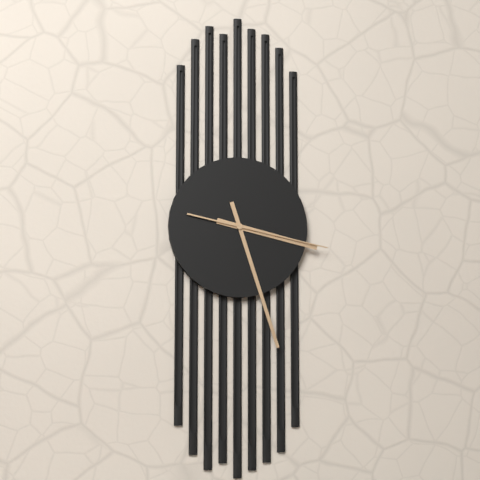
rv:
3h27m17s
